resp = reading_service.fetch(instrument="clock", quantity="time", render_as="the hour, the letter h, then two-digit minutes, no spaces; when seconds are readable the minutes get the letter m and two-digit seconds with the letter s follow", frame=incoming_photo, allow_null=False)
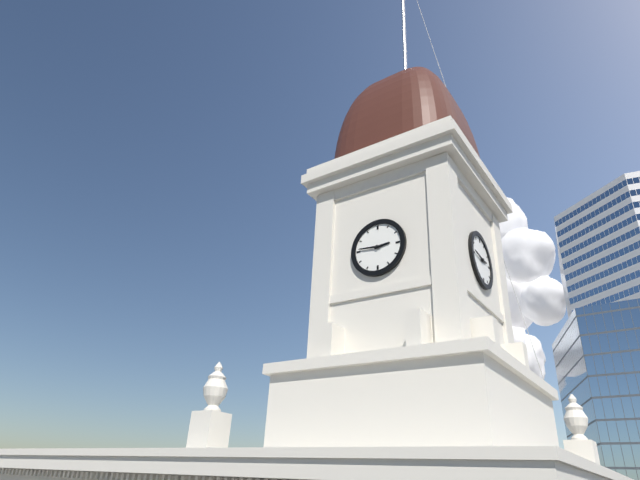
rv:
2h46
